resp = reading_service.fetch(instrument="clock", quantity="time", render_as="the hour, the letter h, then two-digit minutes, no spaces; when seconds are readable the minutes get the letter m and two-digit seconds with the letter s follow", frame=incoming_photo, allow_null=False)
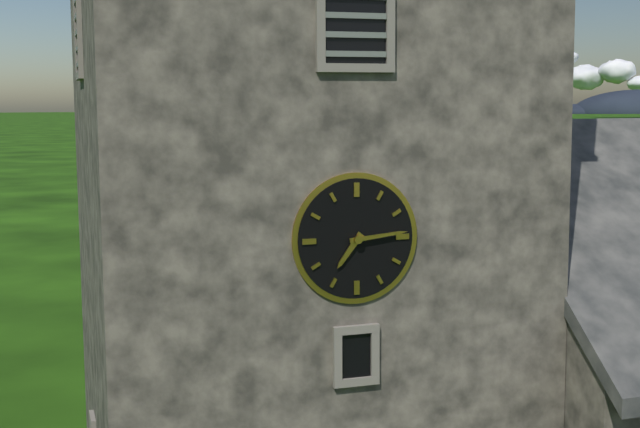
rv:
7h14
